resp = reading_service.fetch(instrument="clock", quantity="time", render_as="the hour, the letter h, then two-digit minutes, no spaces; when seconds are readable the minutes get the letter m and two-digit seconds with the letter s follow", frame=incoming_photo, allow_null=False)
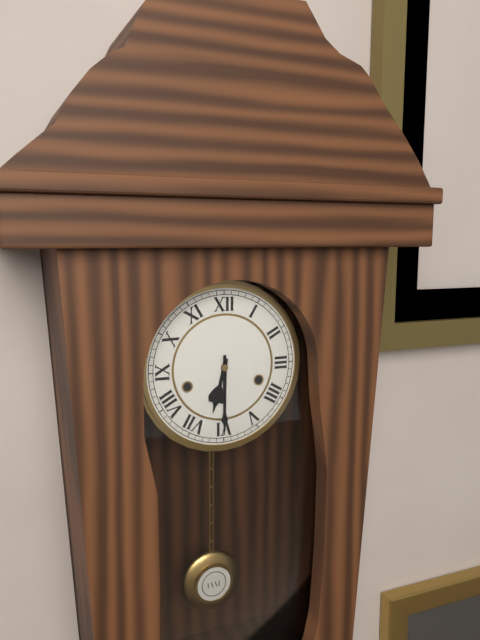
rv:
6h30
